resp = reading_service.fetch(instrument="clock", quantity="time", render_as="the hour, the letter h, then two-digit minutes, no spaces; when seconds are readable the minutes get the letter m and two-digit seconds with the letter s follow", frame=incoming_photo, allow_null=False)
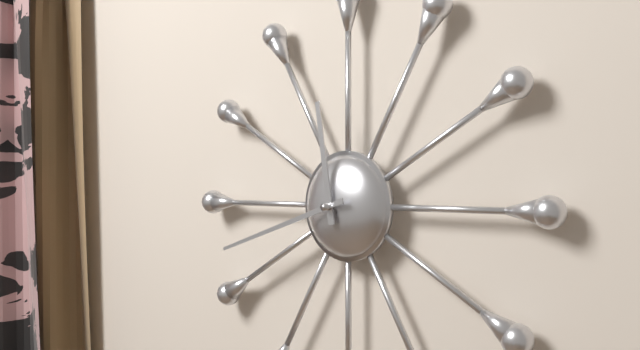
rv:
11h42
